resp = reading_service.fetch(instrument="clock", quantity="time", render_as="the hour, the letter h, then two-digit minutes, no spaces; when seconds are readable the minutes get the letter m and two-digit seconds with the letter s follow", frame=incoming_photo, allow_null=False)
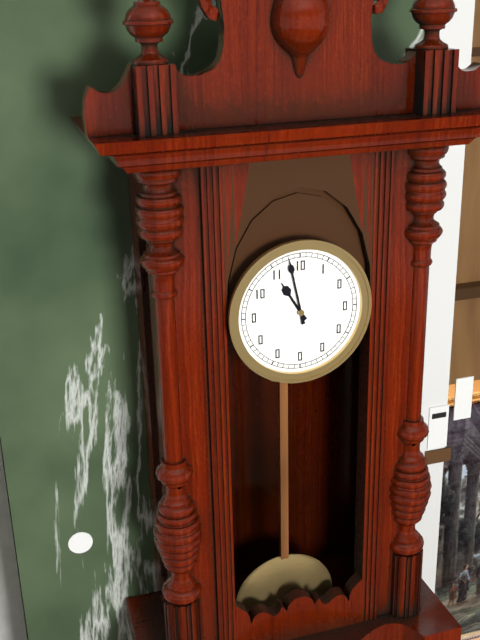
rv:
10h58
